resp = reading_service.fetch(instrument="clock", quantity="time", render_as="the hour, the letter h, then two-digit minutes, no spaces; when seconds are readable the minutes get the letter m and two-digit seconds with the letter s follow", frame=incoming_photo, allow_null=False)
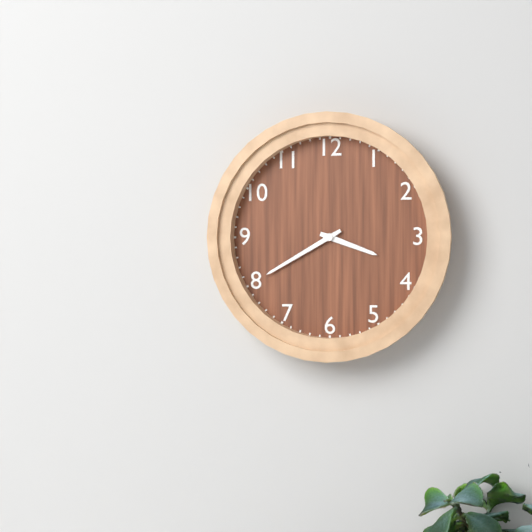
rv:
3h40
